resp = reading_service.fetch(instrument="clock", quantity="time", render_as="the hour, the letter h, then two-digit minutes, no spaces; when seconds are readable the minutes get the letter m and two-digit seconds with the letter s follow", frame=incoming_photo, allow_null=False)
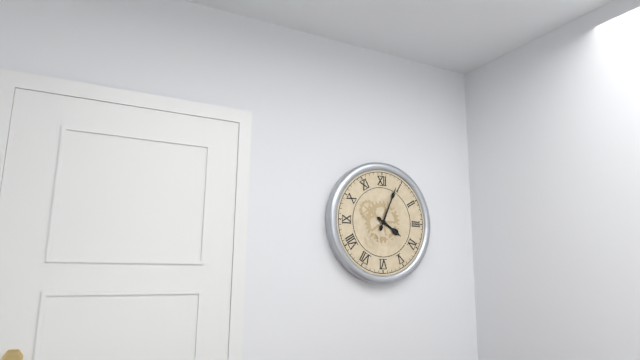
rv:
4h04
